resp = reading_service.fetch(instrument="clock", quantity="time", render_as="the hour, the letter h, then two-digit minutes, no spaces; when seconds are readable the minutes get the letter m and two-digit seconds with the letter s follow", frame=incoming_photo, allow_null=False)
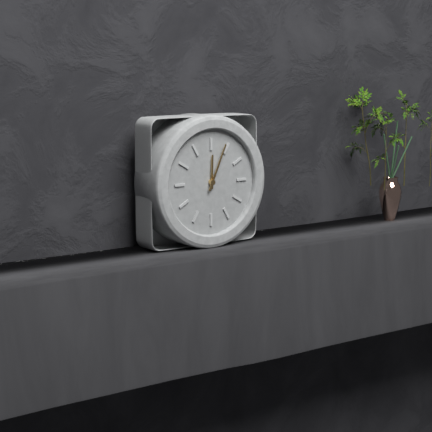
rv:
12h04
